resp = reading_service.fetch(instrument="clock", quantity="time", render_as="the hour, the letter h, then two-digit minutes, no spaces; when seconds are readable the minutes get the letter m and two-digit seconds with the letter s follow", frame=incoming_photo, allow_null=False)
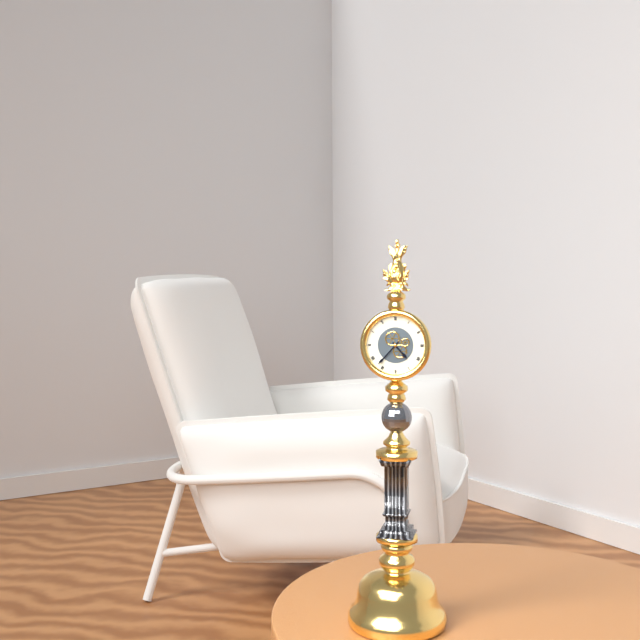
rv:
4h37
